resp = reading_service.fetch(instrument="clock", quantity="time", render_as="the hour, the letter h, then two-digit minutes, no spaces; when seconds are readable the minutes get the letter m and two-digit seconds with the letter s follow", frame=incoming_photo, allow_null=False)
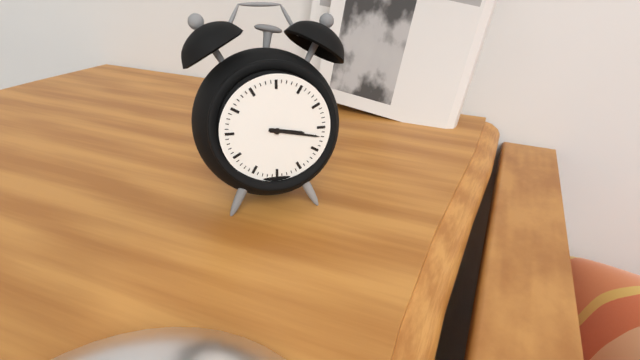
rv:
3h17
